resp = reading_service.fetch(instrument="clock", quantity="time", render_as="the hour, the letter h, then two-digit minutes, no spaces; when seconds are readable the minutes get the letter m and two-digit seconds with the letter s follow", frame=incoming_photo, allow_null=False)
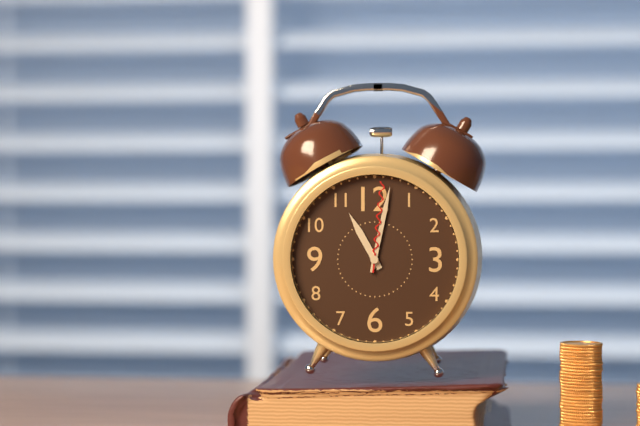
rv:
11h02m01s
